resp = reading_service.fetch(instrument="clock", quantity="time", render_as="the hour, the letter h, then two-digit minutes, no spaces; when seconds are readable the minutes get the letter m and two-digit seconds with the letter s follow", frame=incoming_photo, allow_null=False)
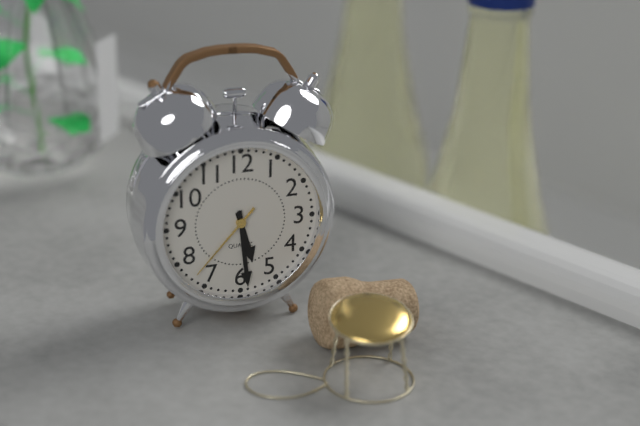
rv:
5h29m37s
